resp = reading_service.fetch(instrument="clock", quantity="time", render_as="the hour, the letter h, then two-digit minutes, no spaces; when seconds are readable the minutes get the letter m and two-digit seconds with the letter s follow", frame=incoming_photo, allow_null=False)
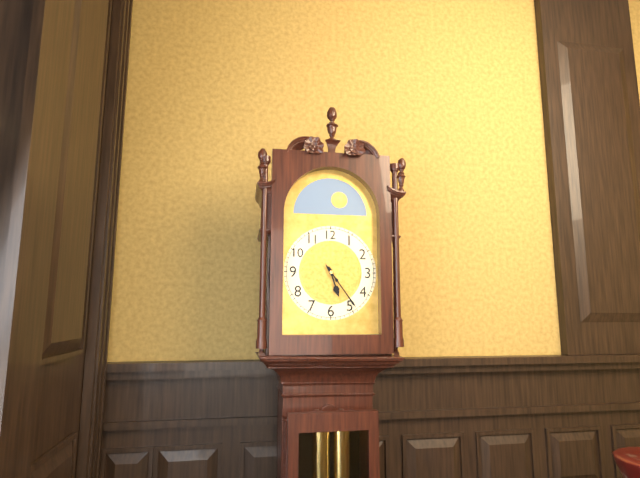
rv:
5h24
